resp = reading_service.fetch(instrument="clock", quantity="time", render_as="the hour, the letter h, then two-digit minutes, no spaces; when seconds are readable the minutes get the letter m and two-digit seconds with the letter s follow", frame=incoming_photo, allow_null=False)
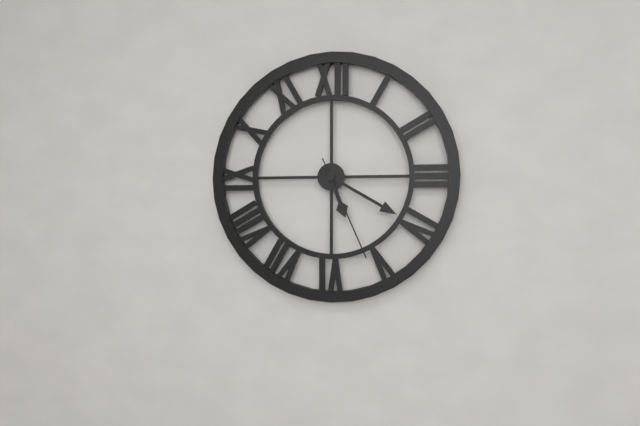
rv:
5h20m26s
